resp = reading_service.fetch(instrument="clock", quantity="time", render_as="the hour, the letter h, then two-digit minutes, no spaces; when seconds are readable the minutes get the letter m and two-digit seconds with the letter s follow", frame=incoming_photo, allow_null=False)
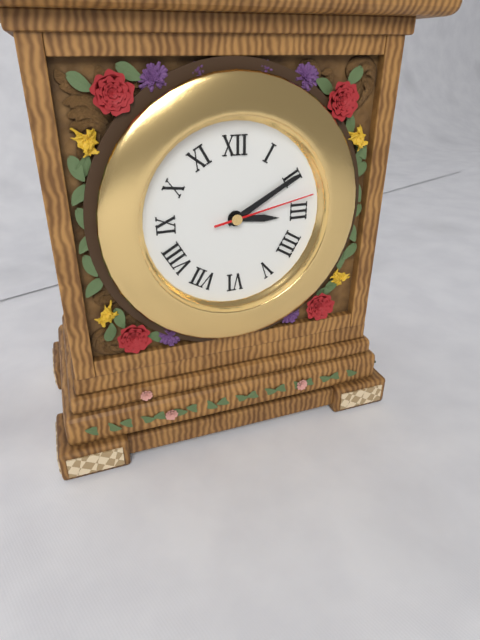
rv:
3h10m13s
